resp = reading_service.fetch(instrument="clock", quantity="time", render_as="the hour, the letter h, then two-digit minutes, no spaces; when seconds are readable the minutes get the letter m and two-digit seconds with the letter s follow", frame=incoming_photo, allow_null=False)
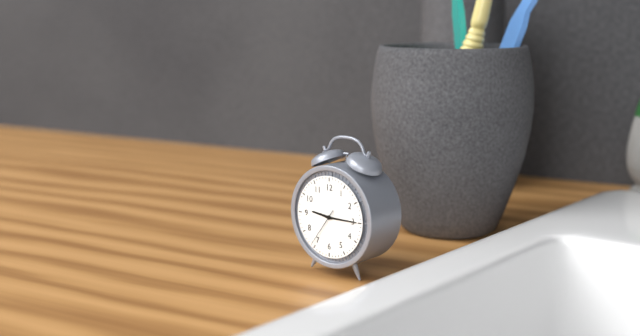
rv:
9h15
